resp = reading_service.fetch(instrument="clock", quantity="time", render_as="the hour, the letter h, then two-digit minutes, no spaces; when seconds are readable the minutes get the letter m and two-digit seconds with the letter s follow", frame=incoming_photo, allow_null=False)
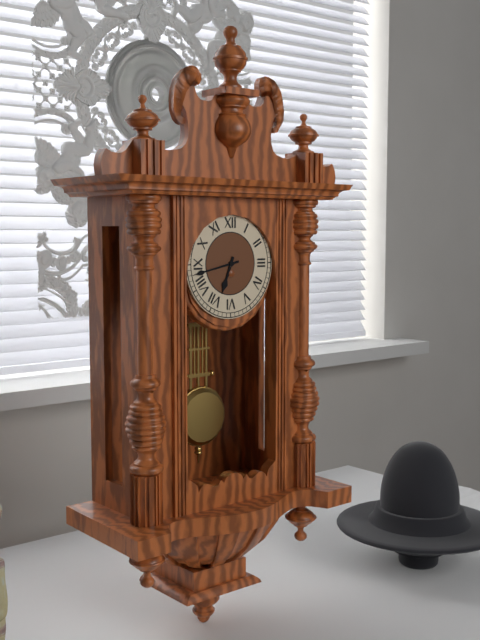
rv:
6h43
